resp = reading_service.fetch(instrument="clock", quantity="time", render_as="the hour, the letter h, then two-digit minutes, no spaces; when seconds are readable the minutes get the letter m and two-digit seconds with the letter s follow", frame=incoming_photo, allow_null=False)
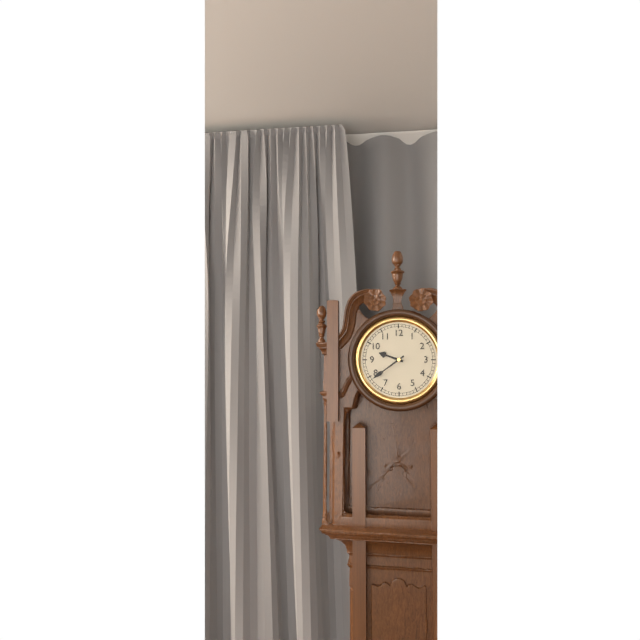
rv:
9h39
